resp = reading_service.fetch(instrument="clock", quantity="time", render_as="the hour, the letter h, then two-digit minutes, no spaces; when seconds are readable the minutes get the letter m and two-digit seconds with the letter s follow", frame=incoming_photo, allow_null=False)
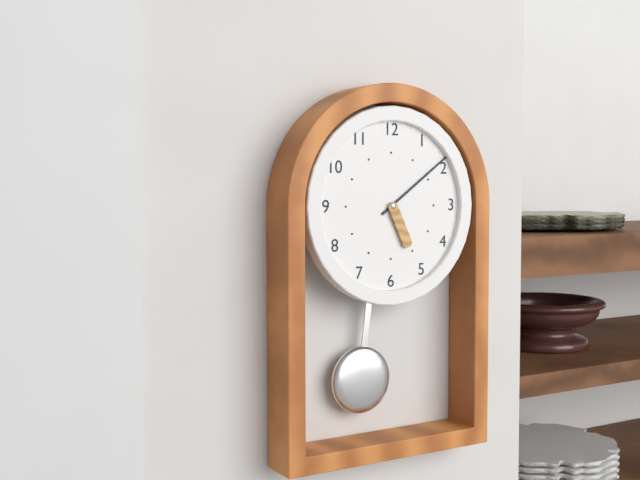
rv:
5h09
